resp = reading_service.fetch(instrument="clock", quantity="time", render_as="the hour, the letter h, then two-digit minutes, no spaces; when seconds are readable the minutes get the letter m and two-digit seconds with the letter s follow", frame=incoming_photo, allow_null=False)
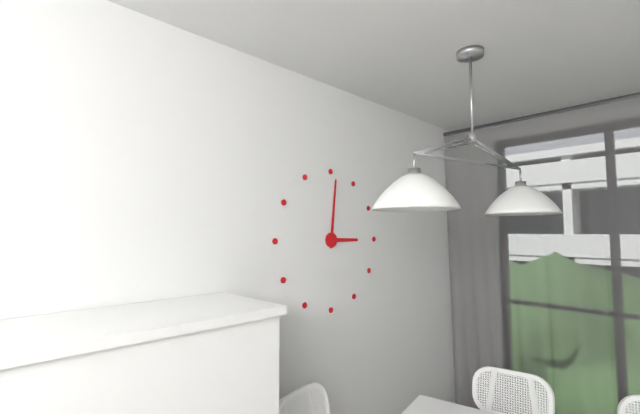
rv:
3h01
